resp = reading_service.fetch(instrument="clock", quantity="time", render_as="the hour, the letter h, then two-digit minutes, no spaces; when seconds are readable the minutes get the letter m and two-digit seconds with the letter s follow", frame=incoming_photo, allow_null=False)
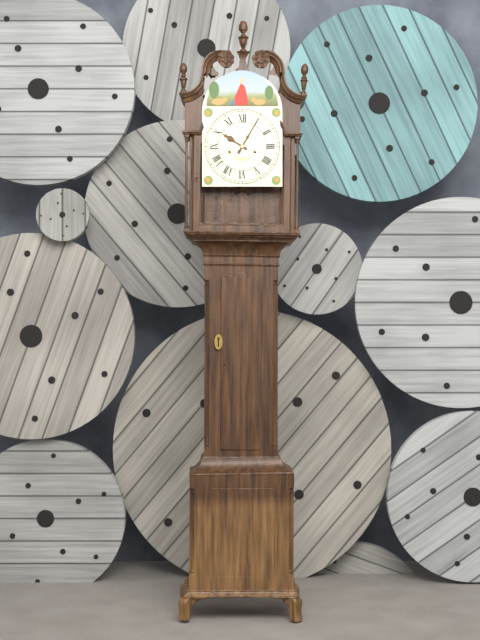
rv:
10h05
